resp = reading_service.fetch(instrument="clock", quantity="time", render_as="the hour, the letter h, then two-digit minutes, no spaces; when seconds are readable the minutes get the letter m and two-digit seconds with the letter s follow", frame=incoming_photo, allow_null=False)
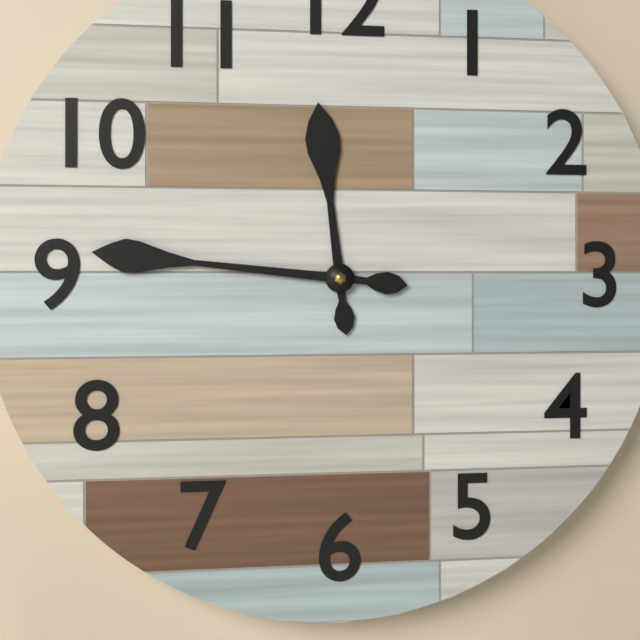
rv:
11h46
